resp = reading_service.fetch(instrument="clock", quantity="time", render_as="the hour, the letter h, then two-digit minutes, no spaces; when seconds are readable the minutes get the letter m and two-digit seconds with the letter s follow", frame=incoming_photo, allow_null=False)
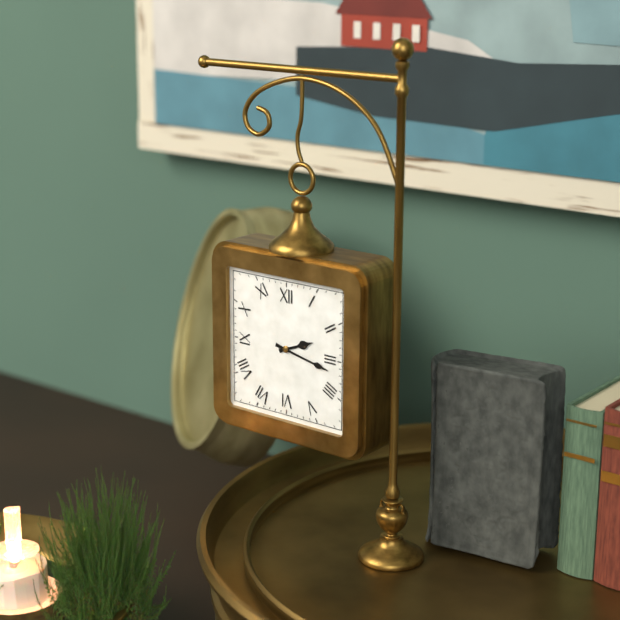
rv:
2h17
